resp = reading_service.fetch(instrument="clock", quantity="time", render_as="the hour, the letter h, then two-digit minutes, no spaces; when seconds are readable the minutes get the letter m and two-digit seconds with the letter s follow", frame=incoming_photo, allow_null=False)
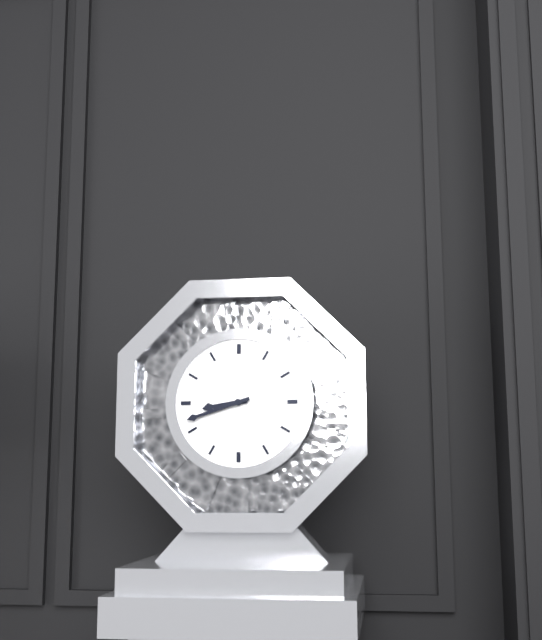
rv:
8h42
